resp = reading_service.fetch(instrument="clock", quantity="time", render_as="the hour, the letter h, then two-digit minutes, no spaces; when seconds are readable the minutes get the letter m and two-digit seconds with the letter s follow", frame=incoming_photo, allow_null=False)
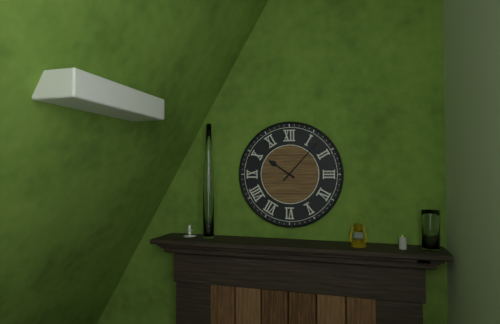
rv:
10h07
